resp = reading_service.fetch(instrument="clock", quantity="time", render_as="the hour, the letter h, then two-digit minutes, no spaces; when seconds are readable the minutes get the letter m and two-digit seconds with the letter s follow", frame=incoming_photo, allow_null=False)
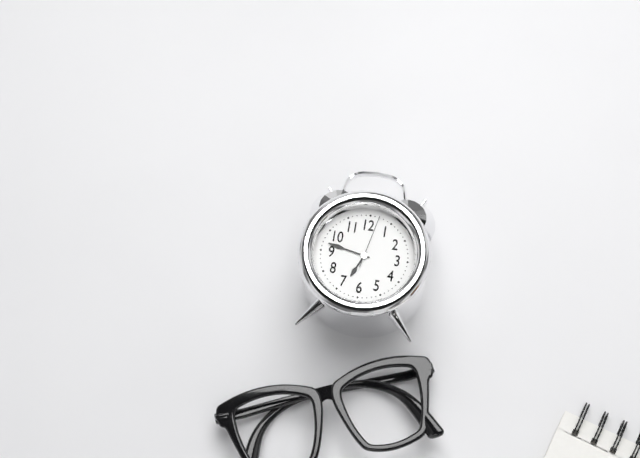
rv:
6h47m02s
